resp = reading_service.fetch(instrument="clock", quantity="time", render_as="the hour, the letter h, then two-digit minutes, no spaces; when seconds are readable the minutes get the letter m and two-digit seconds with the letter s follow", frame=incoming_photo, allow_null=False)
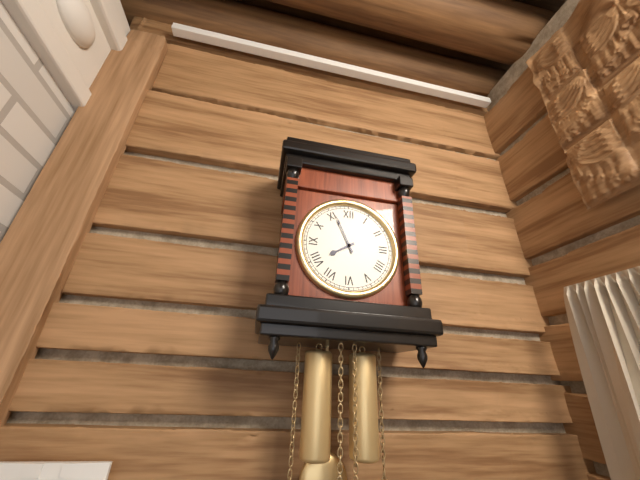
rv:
7h56
